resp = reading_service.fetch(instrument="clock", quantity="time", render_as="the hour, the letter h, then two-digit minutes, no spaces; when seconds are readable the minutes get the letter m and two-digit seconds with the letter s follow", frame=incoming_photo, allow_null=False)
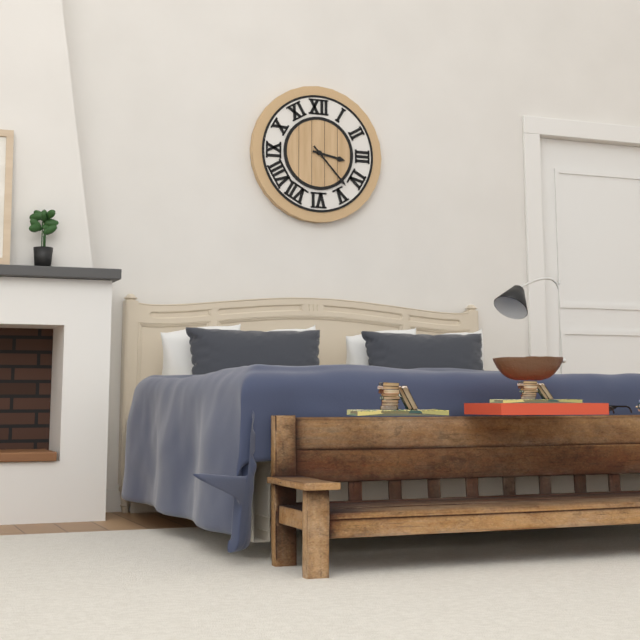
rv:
3h23
